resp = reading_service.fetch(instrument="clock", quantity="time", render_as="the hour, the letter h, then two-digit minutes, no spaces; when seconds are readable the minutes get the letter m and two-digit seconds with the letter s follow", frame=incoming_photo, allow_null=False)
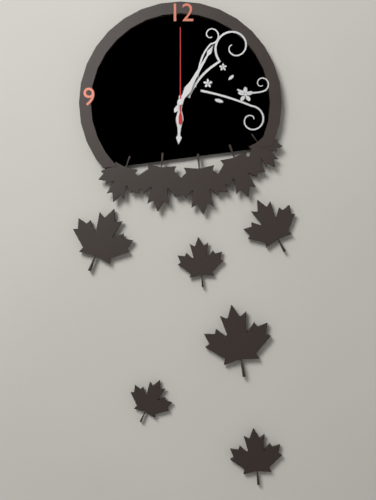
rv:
6h05m00s
